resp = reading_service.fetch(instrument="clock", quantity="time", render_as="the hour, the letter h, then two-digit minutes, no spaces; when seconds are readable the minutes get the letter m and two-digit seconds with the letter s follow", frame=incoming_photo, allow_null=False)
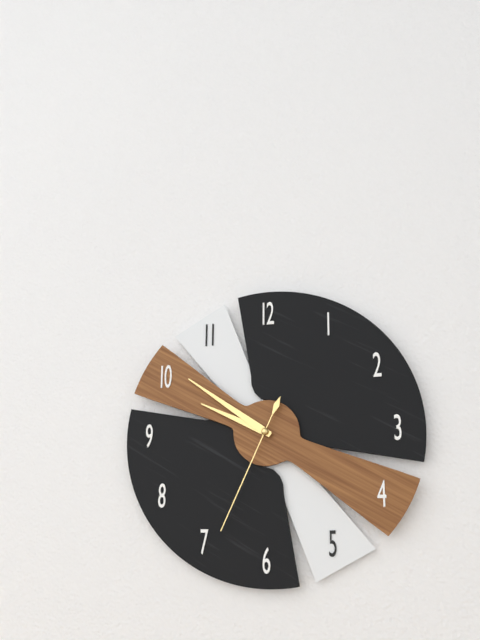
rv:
9h51m34s
